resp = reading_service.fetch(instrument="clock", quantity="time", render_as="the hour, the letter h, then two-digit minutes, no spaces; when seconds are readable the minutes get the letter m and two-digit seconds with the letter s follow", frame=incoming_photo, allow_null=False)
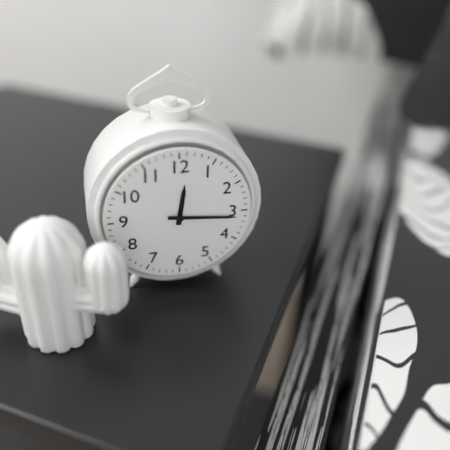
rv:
12h16
